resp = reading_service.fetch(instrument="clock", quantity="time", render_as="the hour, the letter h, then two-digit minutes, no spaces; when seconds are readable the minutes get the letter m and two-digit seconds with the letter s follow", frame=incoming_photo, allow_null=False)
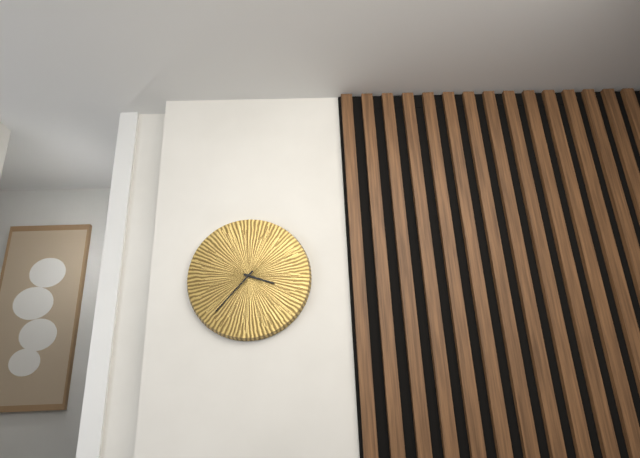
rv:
3h37
